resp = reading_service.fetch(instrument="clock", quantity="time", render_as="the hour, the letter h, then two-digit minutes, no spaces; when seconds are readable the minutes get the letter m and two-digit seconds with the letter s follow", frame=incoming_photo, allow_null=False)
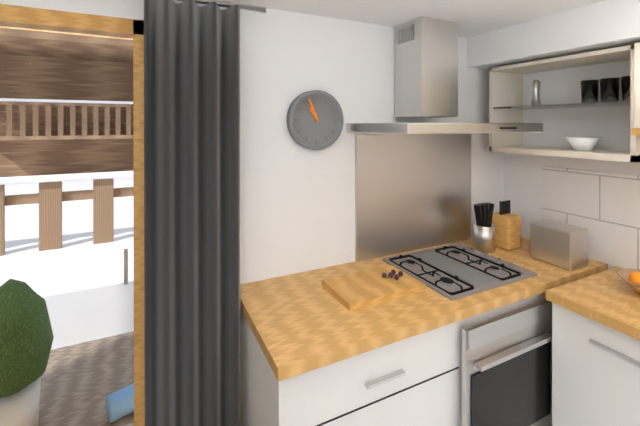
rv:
10h56
